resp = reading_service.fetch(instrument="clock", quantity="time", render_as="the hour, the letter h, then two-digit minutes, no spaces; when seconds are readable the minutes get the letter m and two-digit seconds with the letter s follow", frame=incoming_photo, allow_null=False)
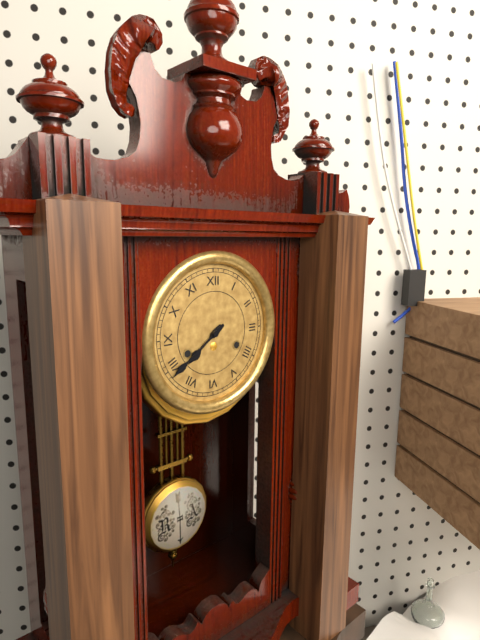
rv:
7h39
